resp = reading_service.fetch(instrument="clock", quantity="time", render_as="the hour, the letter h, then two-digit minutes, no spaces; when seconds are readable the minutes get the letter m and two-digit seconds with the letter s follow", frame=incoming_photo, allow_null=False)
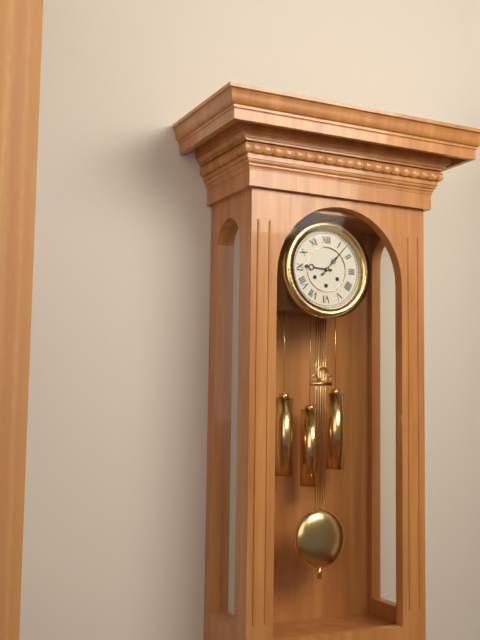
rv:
9h07
